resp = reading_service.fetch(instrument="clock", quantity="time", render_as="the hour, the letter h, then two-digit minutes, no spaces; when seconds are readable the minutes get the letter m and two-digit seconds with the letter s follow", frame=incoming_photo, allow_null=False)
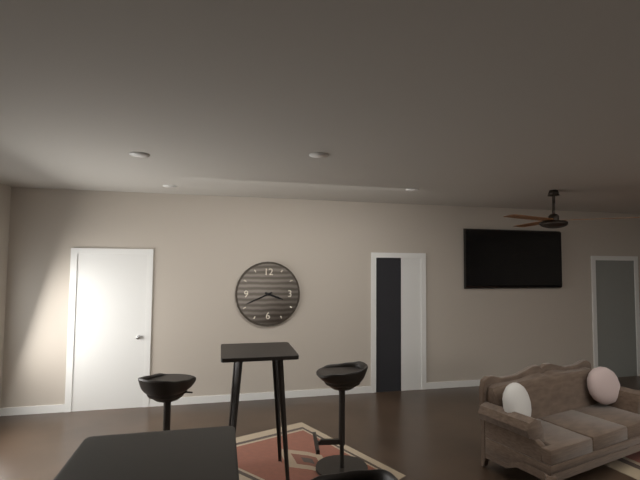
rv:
3h41
